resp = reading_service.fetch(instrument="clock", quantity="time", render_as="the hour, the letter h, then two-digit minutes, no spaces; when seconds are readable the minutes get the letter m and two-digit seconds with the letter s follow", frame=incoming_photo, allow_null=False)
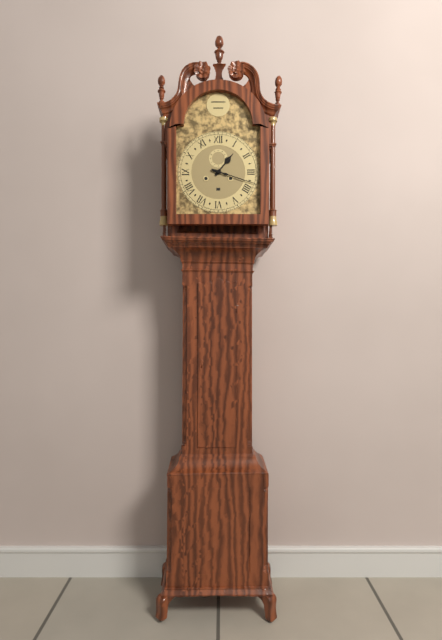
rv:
1h18
